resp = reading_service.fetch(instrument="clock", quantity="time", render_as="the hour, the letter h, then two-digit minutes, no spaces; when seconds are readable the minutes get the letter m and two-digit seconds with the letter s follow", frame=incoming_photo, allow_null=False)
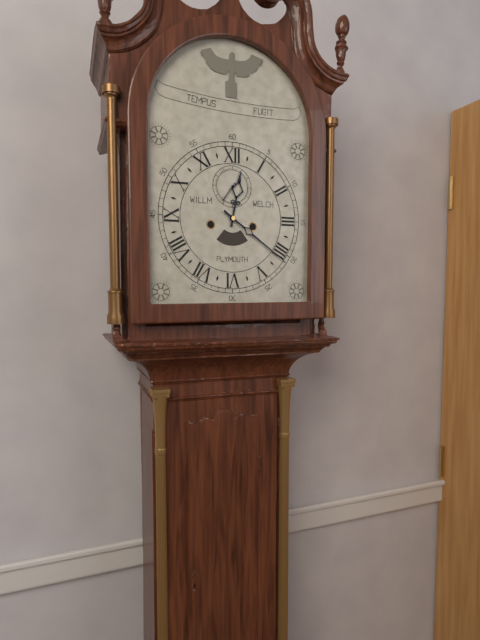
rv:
12h21
